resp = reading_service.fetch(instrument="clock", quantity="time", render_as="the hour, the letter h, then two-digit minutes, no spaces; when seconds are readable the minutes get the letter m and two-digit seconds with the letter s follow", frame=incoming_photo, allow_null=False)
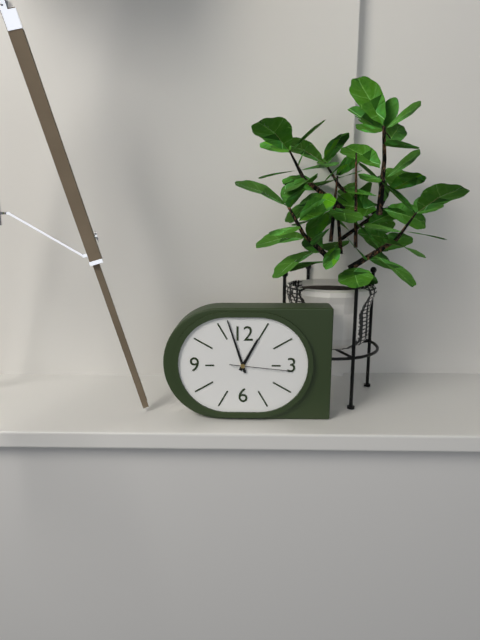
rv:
12h57m16s
